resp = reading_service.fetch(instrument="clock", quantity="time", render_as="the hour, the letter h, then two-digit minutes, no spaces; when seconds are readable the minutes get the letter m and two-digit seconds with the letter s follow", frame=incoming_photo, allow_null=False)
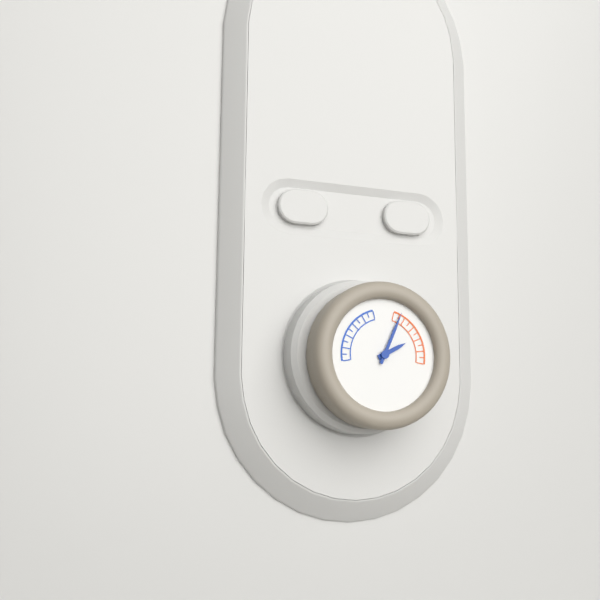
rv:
2h04
